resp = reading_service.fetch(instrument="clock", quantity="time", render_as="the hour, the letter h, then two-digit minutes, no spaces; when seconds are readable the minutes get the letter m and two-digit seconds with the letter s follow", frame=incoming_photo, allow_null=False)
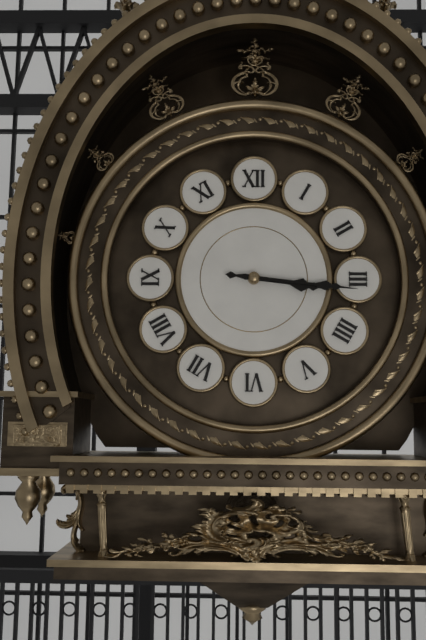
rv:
3h16
